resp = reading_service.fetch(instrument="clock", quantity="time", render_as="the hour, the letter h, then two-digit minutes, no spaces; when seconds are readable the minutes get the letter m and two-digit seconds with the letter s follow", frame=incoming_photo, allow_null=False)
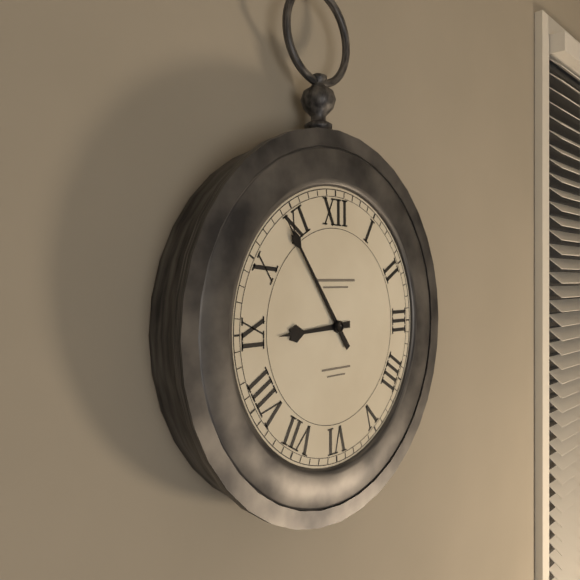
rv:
8h54
